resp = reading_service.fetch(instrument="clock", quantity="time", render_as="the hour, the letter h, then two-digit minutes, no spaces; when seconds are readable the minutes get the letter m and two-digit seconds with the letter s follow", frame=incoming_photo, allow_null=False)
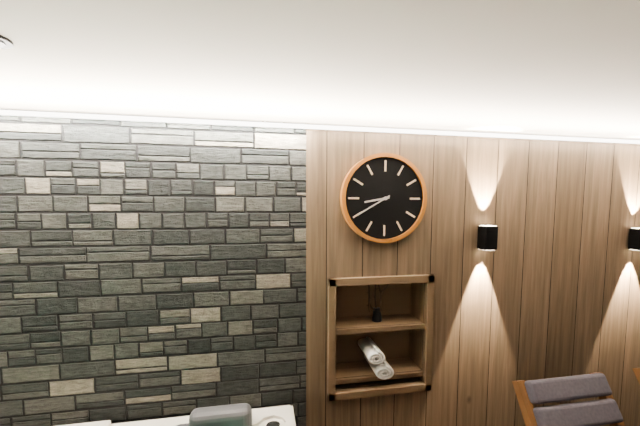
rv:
8h40
